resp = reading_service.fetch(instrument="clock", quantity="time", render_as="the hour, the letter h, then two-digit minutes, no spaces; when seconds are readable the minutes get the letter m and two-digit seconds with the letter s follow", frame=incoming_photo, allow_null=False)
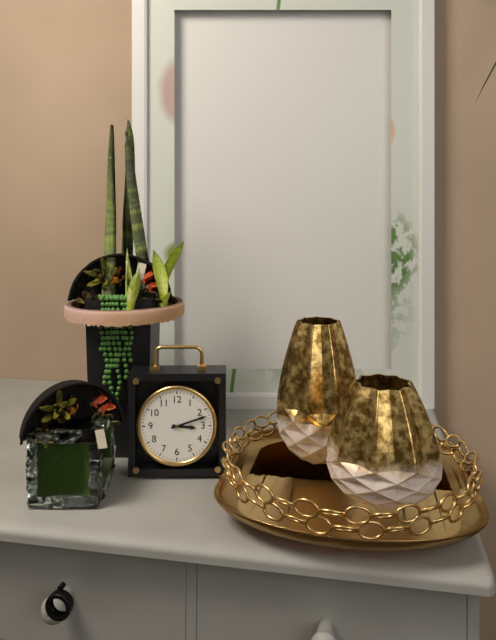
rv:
3h12
